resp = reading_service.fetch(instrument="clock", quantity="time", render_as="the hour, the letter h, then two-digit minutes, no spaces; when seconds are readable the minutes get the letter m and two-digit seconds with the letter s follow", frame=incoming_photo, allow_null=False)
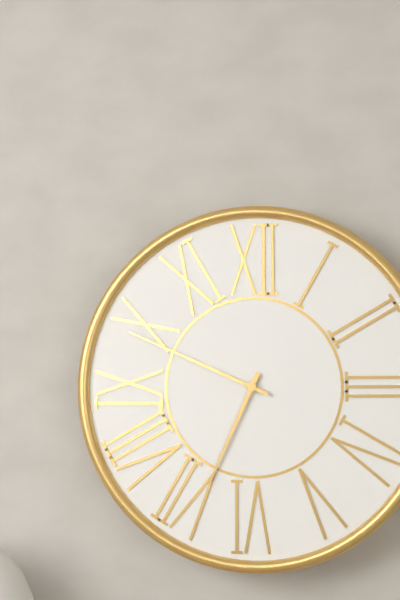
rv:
6h49
